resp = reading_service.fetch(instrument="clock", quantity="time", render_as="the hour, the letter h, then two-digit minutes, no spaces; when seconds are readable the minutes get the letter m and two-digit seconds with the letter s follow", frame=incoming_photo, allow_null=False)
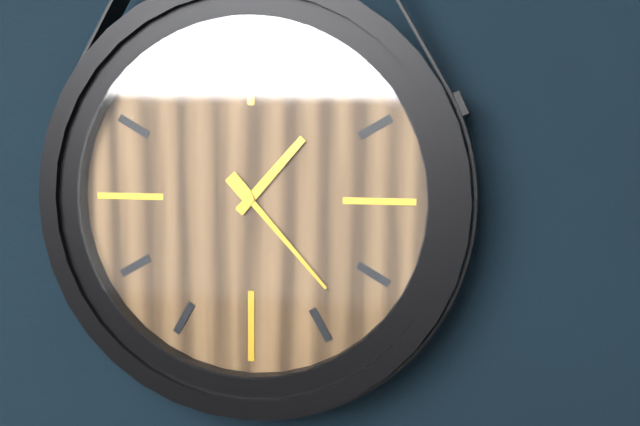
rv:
1h23
